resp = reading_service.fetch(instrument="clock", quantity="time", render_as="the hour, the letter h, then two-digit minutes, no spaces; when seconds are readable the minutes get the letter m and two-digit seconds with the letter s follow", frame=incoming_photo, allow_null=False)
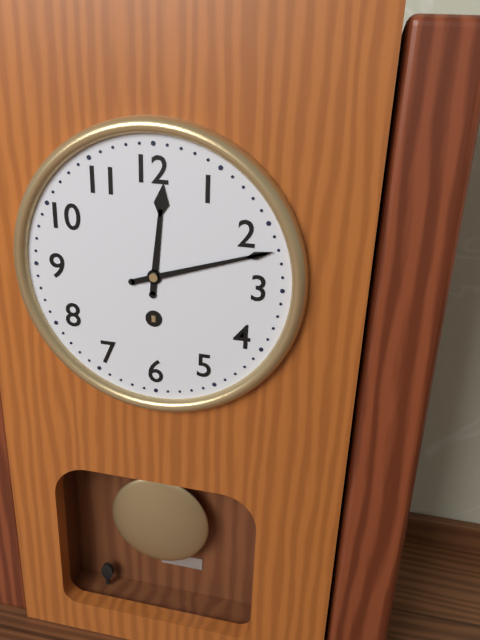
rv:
12h12
